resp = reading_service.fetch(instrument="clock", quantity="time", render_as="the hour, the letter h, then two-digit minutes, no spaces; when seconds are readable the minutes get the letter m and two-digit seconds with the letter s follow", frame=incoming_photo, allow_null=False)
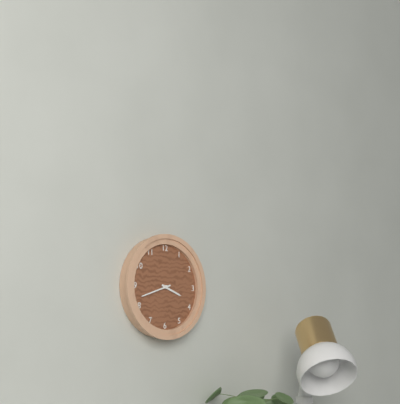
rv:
3h42
